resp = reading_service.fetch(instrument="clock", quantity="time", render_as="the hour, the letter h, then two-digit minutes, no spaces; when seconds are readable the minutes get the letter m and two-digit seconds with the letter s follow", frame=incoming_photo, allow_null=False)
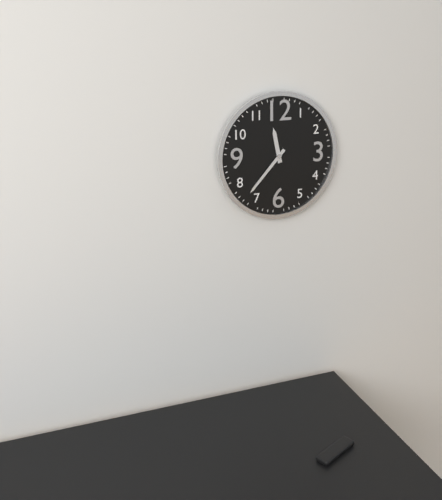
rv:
11h37
